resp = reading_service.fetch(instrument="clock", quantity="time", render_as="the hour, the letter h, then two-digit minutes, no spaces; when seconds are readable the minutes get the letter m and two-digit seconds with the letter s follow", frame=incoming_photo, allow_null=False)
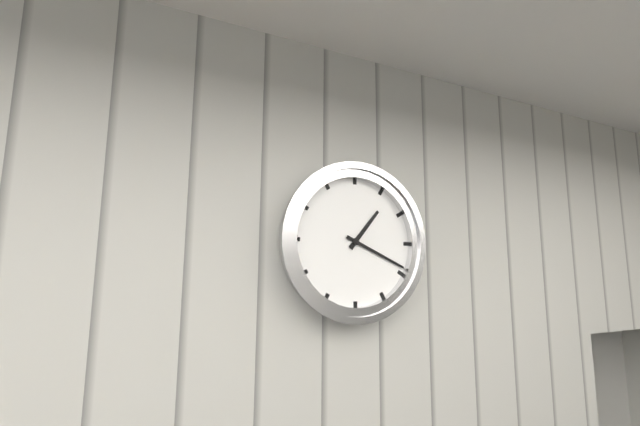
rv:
1h19
